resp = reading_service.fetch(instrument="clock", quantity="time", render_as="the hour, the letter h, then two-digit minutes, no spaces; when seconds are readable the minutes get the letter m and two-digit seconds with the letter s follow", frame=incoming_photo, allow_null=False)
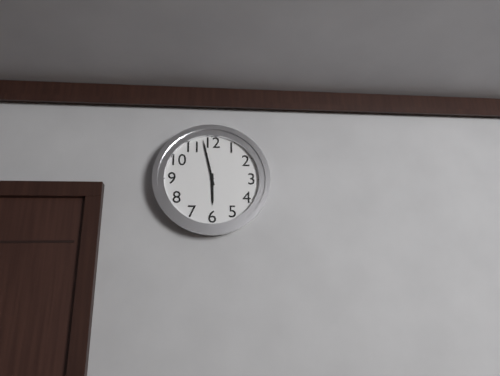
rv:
5h58
